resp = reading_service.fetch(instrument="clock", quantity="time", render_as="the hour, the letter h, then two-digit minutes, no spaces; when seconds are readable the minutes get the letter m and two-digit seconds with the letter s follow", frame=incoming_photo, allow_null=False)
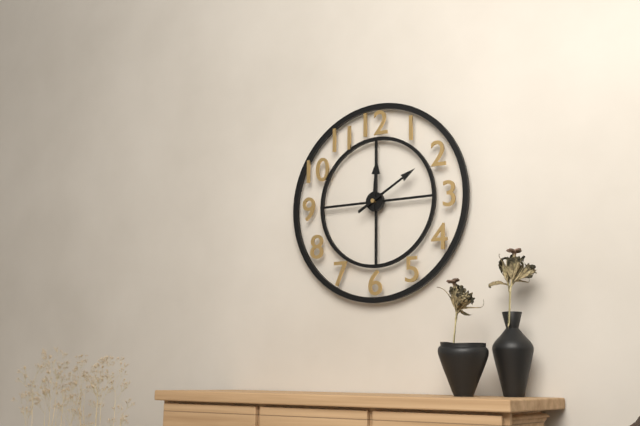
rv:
12h10
